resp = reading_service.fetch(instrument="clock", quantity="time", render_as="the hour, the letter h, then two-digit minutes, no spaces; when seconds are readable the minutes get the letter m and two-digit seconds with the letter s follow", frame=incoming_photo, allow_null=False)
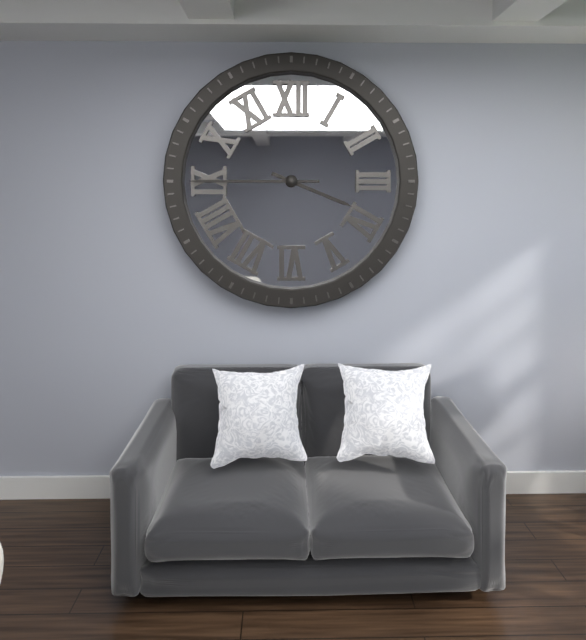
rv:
3h45
